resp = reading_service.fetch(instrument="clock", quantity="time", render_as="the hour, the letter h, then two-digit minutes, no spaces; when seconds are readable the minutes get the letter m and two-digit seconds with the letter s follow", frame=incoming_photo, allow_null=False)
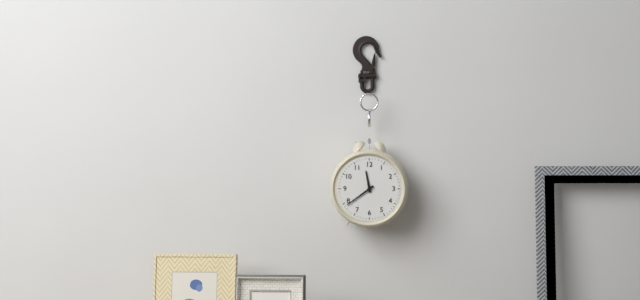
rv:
11h39
